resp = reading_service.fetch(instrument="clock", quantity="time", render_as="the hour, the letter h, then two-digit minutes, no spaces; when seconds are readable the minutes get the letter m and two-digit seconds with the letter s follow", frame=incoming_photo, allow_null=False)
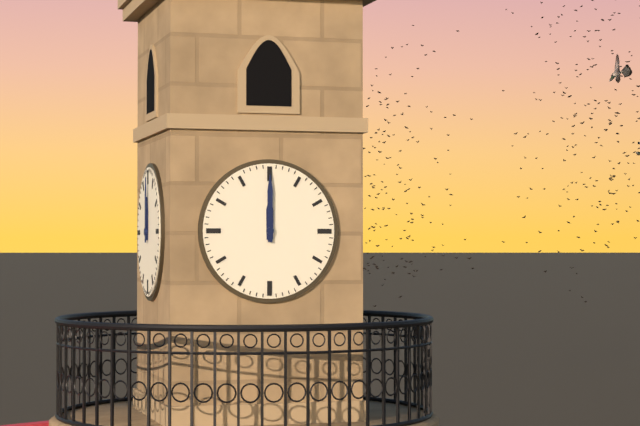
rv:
12h00
